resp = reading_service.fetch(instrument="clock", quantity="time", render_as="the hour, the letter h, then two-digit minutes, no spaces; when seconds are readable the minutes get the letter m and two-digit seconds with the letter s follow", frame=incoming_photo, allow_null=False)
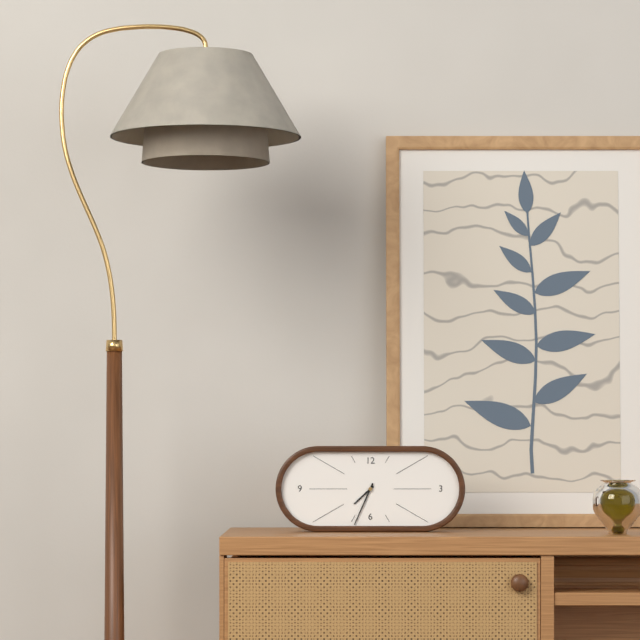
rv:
7h34
